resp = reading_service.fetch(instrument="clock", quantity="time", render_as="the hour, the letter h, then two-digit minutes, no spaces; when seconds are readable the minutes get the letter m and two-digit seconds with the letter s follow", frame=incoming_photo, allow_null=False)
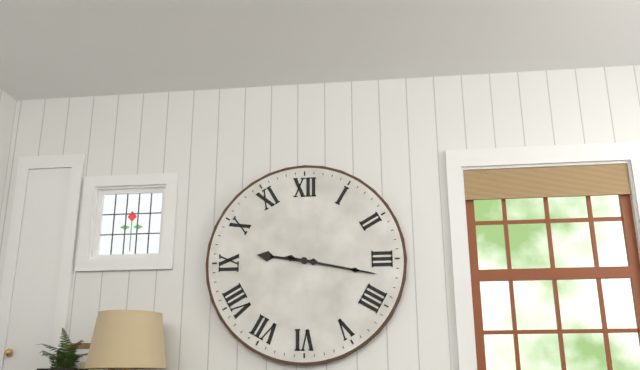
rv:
9h17
